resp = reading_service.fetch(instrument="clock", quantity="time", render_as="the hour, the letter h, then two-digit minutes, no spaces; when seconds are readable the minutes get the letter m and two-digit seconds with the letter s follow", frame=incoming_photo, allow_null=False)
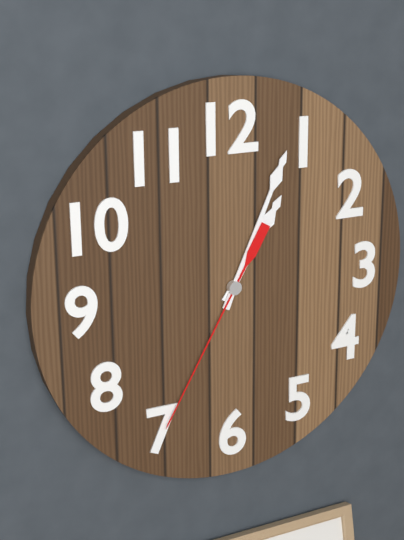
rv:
1h04m35s
